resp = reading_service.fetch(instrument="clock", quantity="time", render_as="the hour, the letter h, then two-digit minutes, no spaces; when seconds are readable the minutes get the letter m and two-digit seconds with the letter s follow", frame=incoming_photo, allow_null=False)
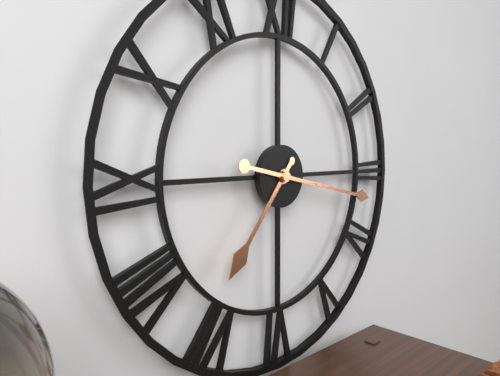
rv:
7h17
